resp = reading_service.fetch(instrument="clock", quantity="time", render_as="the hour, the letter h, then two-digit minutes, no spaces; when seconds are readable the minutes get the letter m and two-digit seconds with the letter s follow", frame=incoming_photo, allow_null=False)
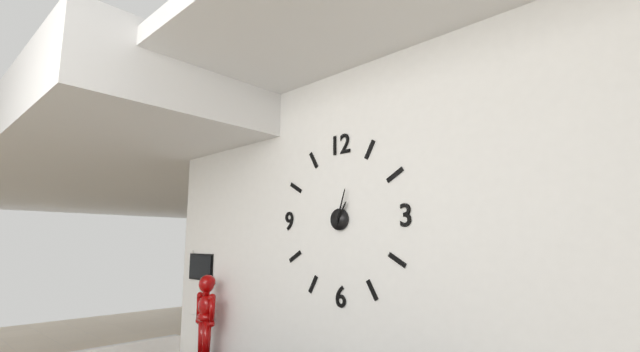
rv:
1h03
